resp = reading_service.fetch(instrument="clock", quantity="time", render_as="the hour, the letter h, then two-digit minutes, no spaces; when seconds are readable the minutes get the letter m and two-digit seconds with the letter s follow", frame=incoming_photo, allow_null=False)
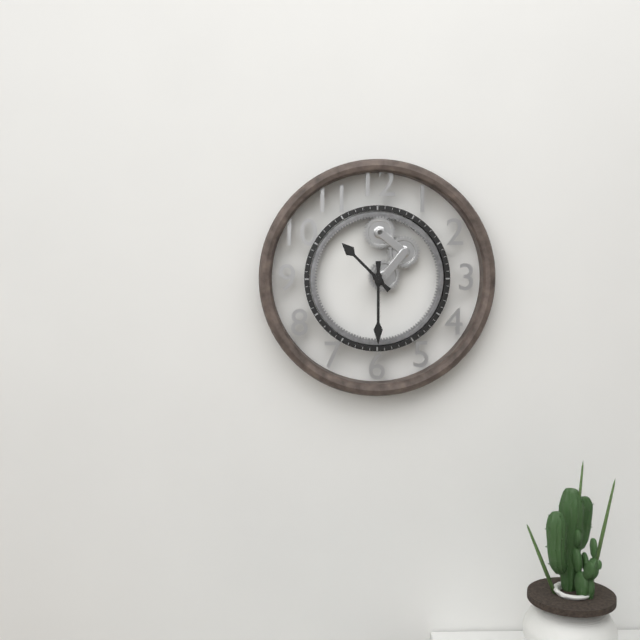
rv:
10h30
